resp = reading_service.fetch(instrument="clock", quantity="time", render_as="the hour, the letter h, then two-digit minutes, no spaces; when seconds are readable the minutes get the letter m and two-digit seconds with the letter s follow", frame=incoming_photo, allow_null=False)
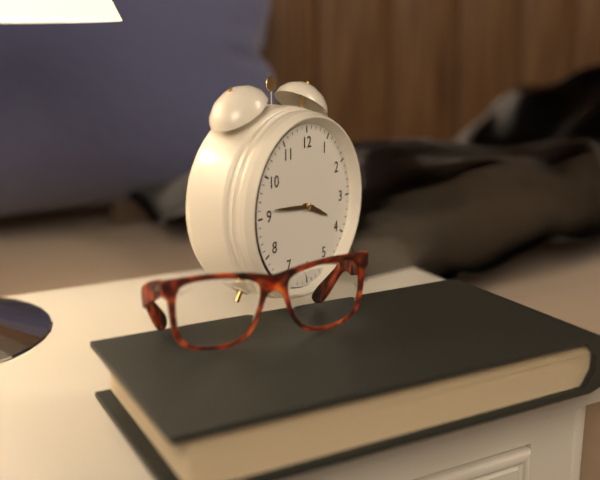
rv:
3h46
